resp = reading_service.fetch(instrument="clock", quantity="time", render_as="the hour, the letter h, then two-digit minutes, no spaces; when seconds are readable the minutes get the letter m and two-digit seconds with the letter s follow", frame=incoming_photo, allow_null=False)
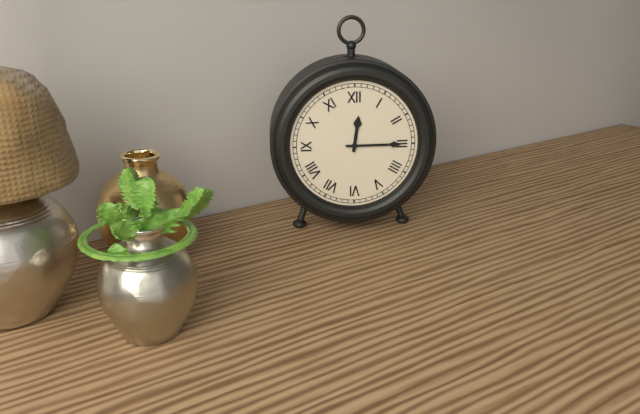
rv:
12h15
